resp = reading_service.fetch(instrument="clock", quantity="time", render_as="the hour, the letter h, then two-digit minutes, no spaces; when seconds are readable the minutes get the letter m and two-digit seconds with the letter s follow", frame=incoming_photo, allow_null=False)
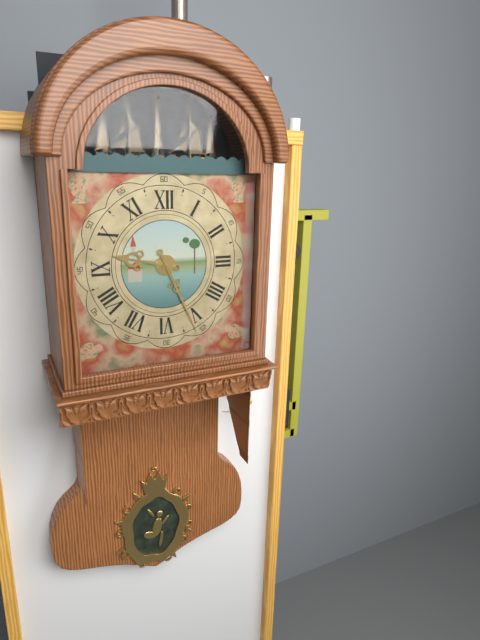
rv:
9h26
